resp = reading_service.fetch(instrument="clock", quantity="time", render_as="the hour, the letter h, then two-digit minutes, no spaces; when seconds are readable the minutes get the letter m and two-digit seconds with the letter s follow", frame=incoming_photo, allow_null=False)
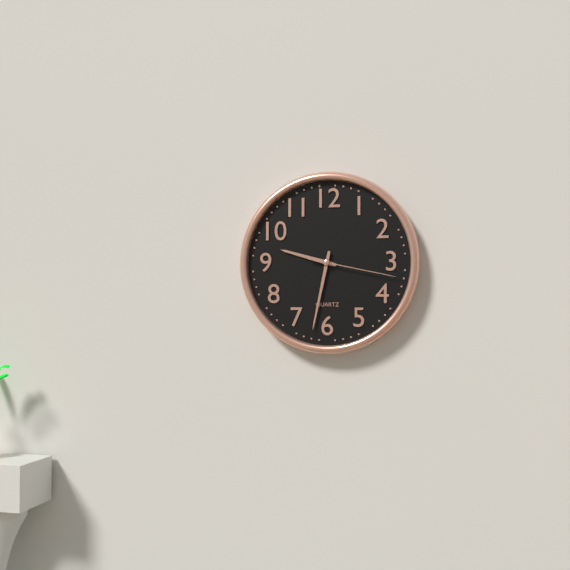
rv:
9h32m17s
